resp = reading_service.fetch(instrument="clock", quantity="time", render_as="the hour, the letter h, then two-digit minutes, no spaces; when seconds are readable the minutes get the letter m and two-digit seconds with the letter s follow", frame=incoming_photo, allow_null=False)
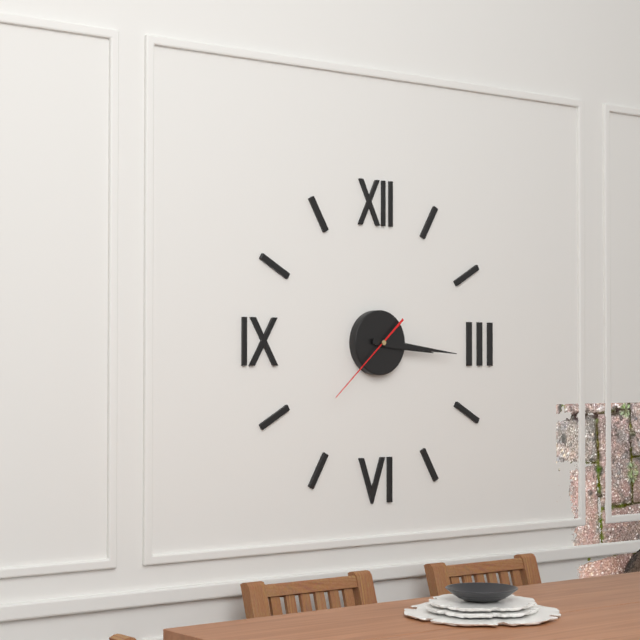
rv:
3h16m38s
